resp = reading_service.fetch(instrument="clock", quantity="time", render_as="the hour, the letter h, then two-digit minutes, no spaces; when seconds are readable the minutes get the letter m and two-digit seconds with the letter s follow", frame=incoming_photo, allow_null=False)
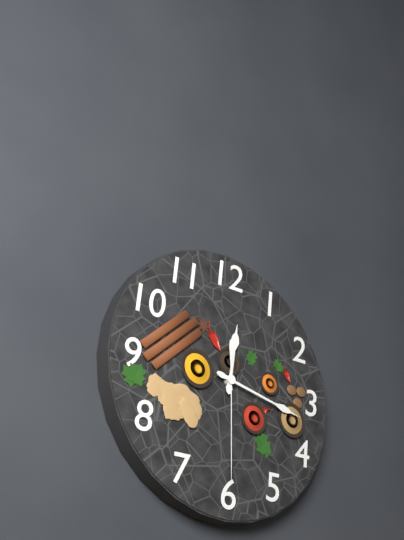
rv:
12h17m30s
